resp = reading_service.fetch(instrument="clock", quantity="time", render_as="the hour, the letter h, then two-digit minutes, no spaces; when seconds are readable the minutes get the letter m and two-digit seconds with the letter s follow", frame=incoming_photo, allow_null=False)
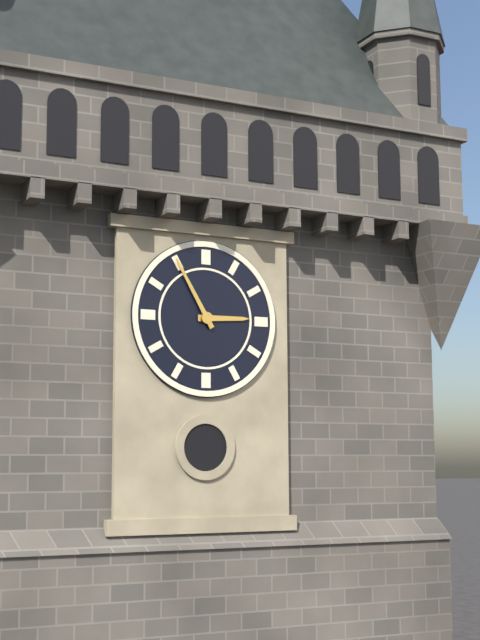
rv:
2h55
